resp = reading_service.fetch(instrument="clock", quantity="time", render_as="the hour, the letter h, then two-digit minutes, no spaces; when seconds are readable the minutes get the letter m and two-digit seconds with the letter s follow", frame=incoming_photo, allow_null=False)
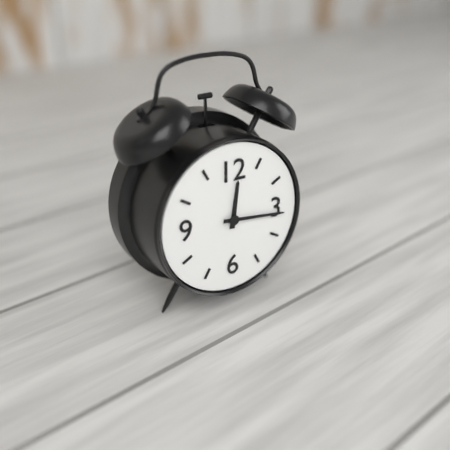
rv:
12h16
